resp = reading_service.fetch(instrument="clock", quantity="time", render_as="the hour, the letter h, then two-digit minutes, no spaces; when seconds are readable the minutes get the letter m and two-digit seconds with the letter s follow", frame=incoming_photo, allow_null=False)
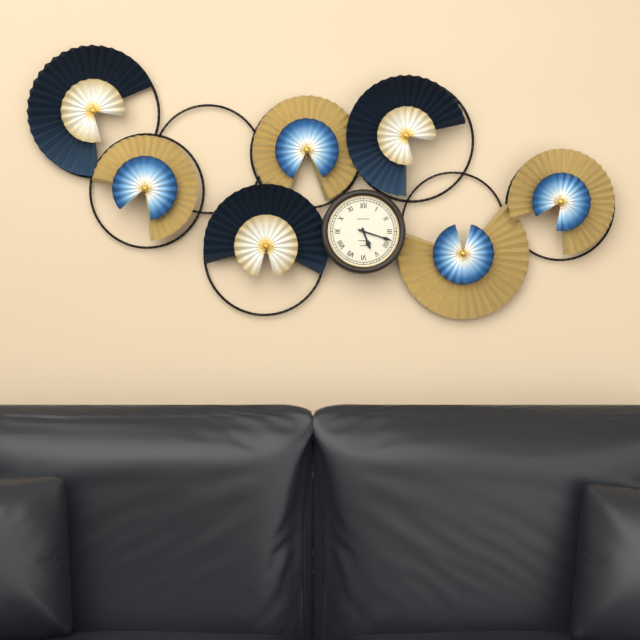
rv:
5h18
